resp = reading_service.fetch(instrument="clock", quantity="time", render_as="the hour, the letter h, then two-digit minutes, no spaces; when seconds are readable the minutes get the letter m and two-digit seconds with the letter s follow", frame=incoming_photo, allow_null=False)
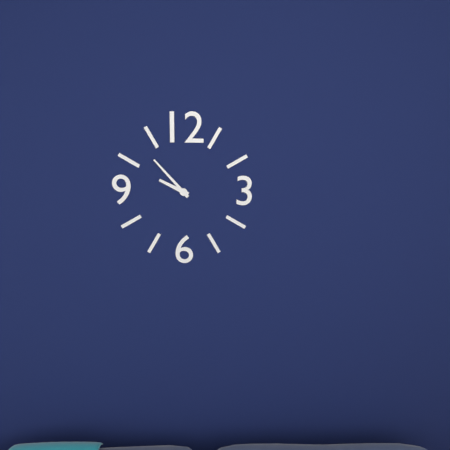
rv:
9h53
